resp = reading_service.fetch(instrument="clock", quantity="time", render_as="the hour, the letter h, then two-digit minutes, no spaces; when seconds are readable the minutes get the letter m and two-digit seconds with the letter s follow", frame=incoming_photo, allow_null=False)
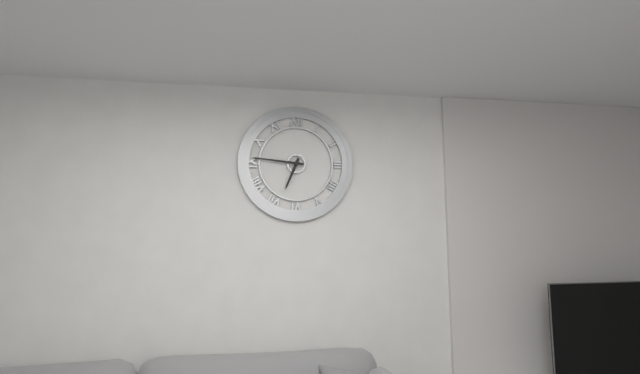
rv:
6h46
